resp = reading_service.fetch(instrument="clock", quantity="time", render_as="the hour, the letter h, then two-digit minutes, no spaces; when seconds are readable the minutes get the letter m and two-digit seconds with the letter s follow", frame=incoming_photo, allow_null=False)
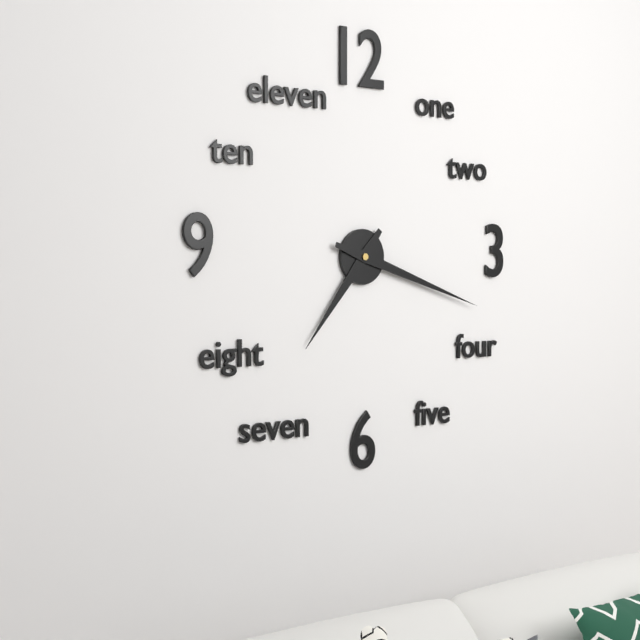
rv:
7h18
